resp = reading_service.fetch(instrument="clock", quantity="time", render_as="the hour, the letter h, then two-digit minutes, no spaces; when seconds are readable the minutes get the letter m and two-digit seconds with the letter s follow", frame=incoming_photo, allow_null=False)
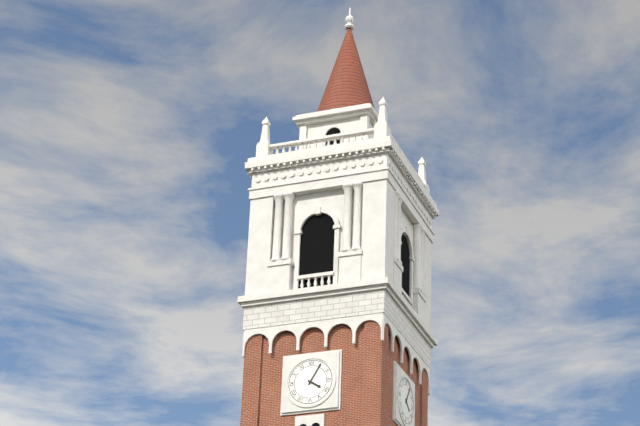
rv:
4h05
